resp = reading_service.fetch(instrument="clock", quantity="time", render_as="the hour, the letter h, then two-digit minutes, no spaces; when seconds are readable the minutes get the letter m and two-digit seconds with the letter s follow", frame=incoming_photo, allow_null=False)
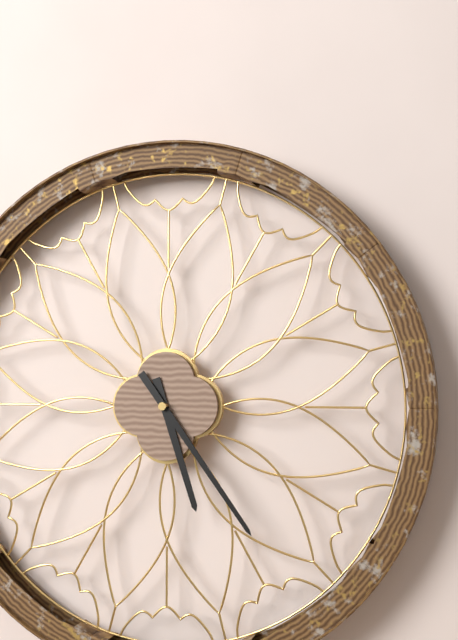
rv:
5h24
